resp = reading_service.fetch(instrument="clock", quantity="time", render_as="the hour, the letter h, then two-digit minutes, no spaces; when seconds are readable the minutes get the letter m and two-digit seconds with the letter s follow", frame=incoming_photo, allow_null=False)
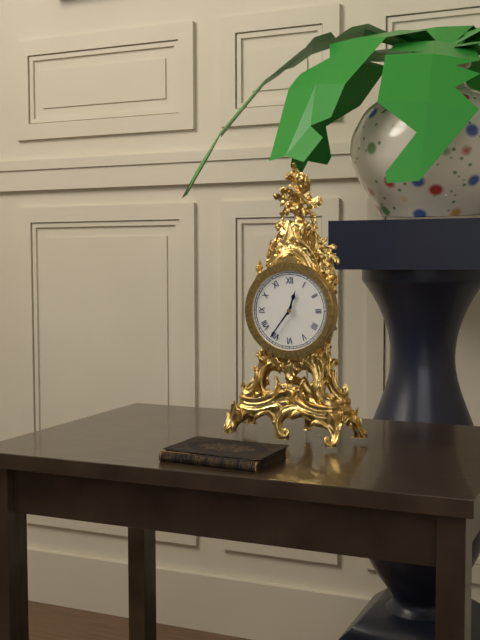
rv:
12h36
